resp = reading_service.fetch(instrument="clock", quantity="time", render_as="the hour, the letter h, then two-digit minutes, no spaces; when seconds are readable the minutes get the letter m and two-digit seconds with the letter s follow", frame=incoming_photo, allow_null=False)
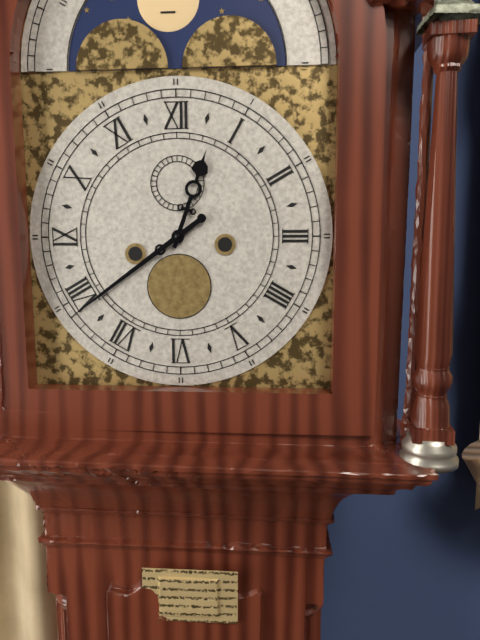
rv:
12h39
